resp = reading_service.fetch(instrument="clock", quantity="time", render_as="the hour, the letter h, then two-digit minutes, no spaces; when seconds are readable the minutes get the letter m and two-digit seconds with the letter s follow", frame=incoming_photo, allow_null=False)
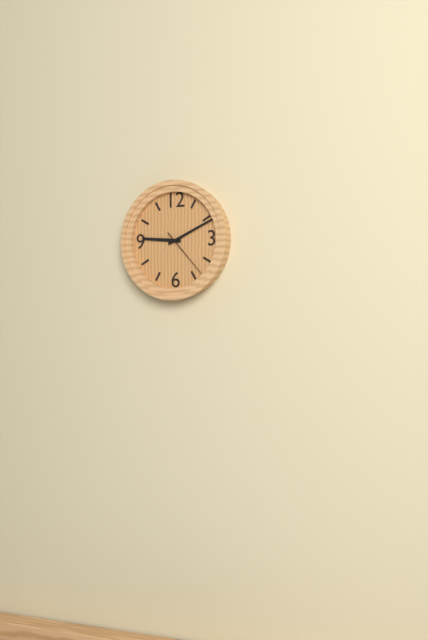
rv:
9h11m23s
